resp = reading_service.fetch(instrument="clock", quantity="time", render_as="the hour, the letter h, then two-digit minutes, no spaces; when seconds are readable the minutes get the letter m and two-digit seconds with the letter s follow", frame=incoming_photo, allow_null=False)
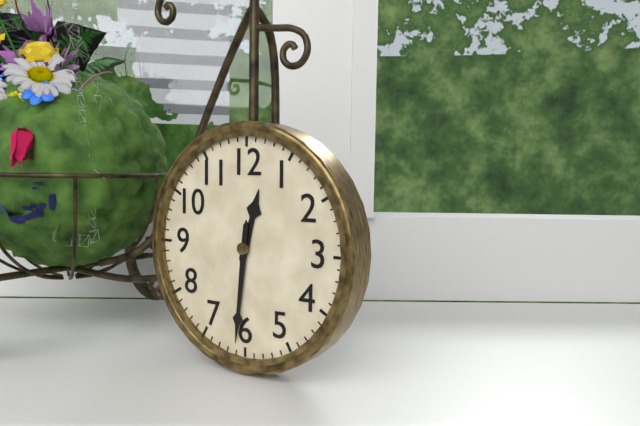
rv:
12h31
